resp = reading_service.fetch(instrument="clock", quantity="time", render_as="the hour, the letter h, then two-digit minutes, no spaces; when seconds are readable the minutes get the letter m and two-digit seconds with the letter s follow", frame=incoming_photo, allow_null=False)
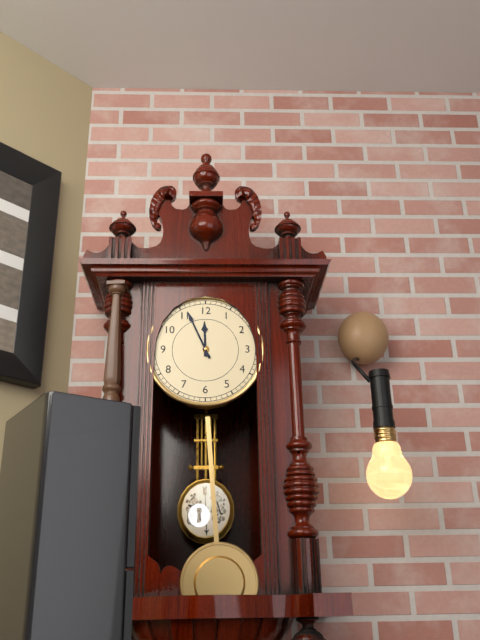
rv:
11h56
